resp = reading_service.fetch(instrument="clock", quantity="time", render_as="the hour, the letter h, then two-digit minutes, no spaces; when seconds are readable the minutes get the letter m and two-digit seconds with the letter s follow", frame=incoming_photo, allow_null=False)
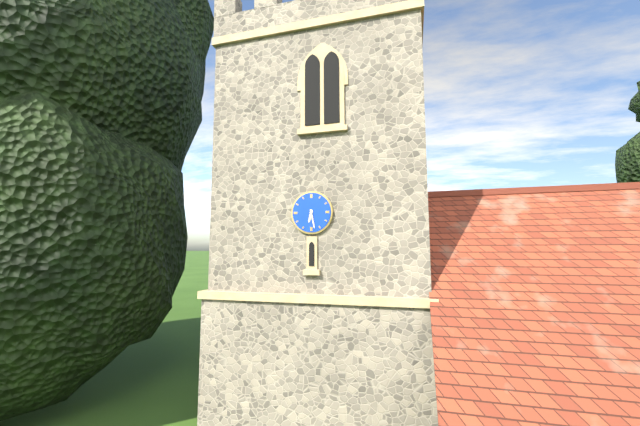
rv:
6h28
